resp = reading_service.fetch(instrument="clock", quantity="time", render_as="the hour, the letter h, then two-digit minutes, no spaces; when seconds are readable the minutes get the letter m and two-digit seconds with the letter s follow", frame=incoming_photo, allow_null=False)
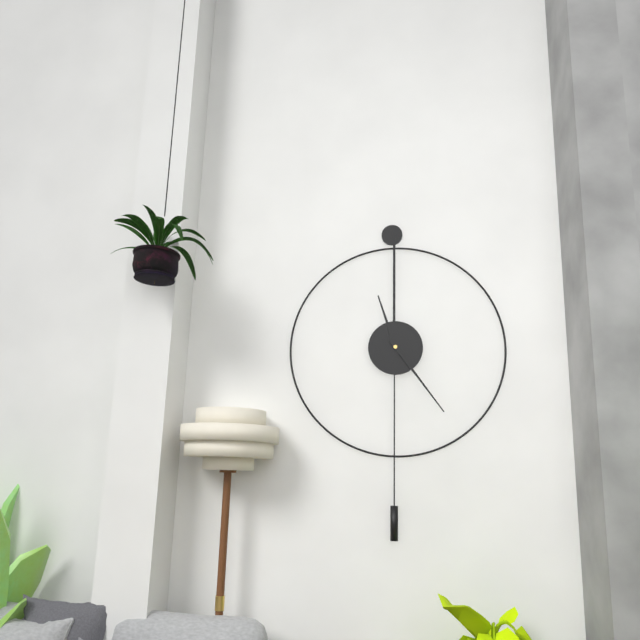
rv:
11h24
